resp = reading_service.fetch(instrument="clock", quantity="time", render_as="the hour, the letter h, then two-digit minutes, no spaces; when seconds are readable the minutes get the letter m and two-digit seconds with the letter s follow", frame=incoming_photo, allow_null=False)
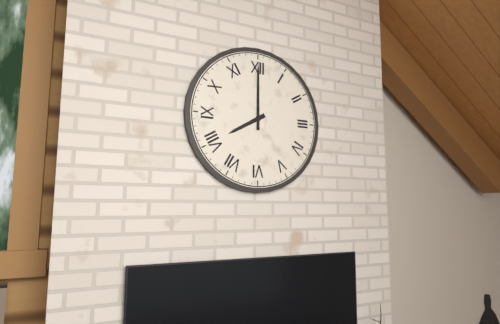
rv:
8h00
